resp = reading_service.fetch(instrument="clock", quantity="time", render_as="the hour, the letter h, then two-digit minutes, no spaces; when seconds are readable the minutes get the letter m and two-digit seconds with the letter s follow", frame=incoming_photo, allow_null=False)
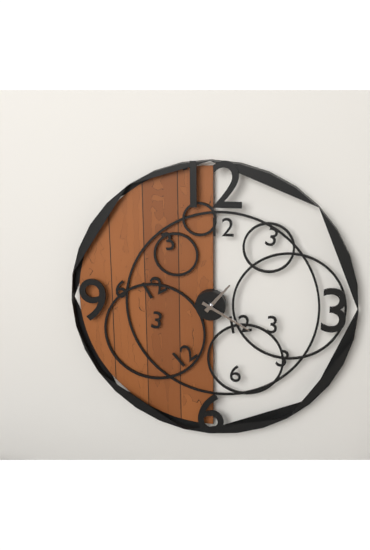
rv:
1h20
